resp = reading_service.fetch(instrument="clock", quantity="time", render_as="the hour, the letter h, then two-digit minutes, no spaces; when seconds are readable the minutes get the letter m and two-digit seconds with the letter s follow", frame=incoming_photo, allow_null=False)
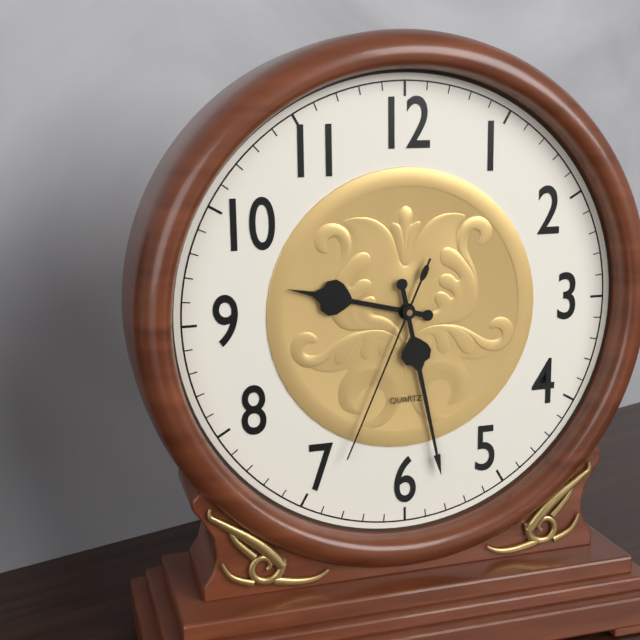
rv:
9h28m34s
